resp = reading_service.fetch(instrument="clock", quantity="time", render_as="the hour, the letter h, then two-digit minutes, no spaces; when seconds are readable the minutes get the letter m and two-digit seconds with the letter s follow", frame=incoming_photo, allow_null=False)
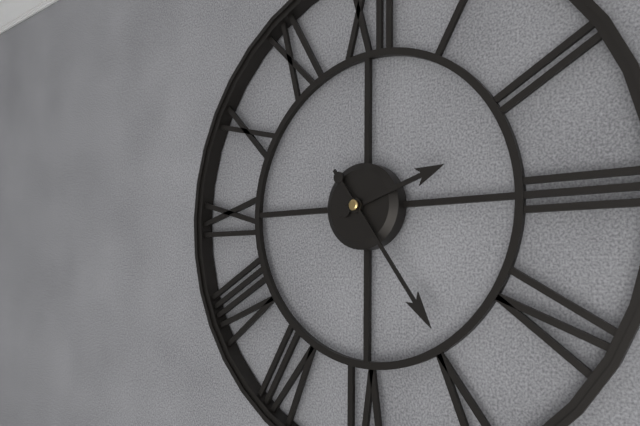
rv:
2h24
